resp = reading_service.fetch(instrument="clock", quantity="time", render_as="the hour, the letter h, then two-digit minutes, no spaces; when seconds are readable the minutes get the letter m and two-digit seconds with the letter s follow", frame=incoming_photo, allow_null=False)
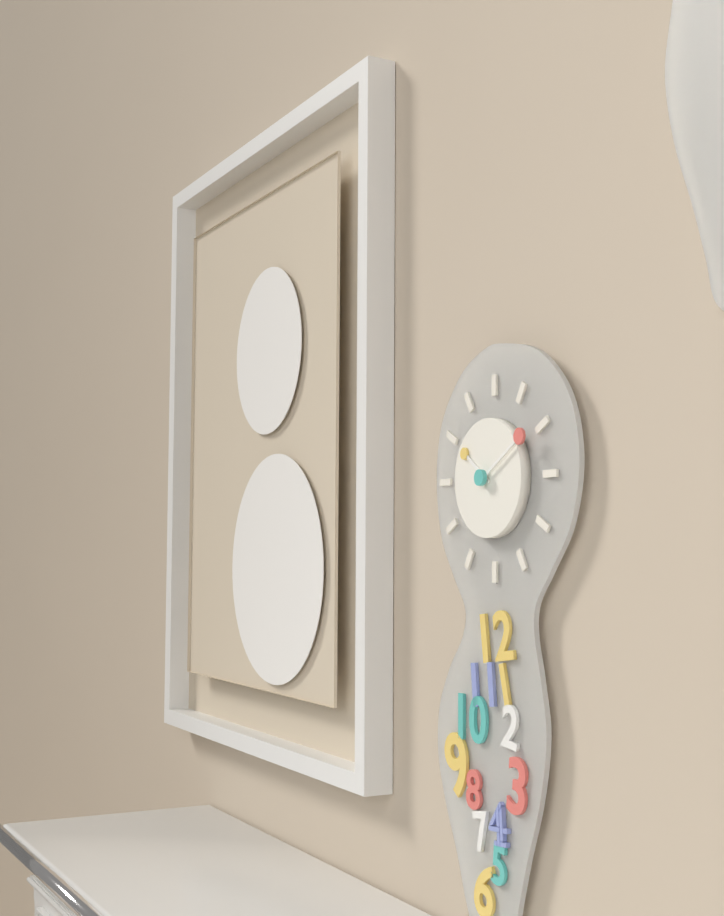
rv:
10h10
